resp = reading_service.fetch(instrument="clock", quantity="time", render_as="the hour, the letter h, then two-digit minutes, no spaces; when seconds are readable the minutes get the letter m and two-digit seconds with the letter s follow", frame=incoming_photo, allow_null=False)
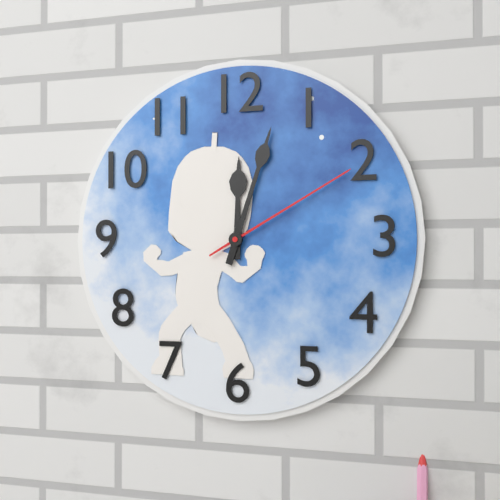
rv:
12h03m10s
